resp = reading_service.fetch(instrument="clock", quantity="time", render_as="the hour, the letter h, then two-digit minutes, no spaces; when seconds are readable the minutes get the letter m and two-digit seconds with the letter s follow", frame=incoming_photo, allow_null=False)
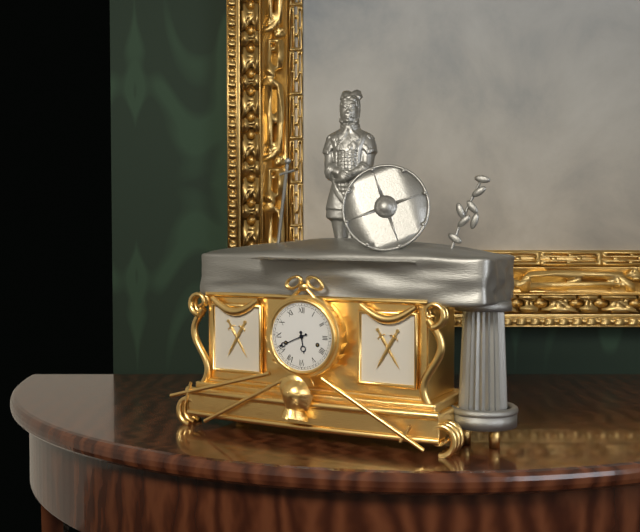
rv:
5h41
